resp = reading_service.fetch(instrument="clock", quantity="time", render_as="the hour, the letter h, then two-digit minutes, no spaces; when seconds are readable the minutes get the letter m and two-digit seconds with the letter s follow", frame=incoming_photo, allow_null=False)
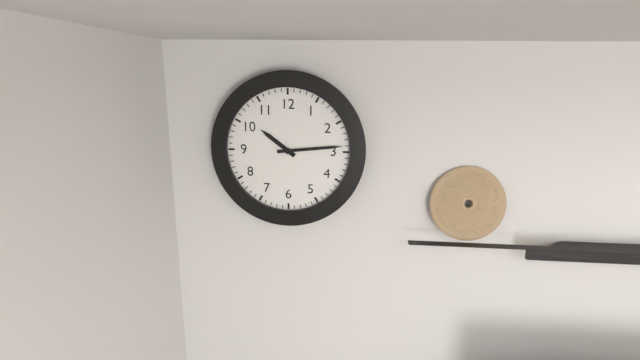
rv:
10h14
